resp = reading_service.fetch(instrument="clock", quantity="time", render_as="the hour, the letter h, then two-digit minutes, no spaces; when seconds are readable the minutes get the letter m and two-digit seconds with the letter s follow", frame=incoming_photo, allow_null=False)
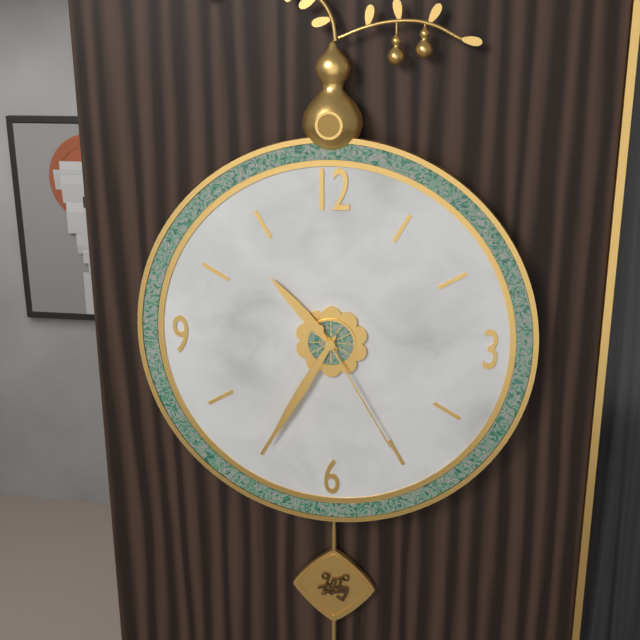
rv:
10h35m25s
